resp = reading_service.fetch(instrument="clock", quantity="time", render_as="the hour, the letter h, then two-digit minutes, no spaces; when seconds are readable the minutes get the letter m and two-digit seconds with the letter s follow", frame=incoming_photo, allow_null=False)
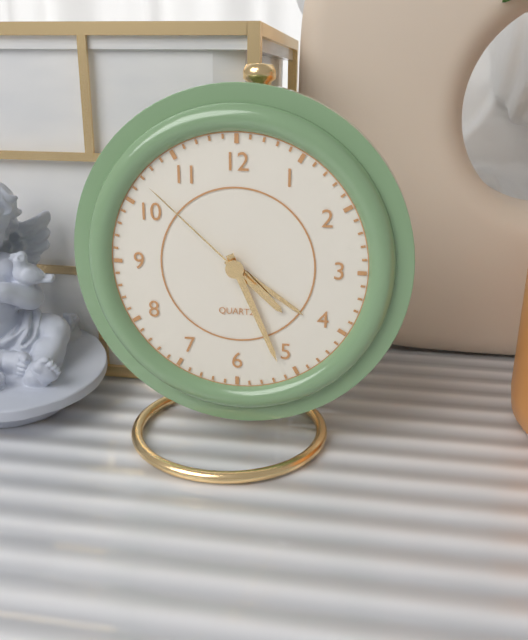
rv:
4h26m52s
